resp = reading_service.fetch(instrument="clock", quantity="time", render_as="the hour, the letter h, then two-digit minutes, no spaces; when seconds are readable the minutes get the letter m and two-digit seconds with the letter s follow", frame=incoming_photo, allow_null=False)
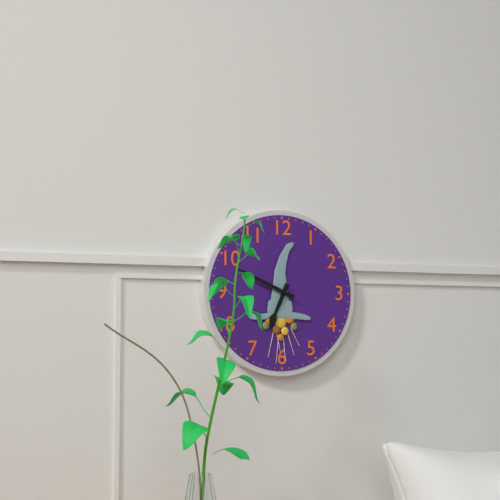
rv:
6h49
